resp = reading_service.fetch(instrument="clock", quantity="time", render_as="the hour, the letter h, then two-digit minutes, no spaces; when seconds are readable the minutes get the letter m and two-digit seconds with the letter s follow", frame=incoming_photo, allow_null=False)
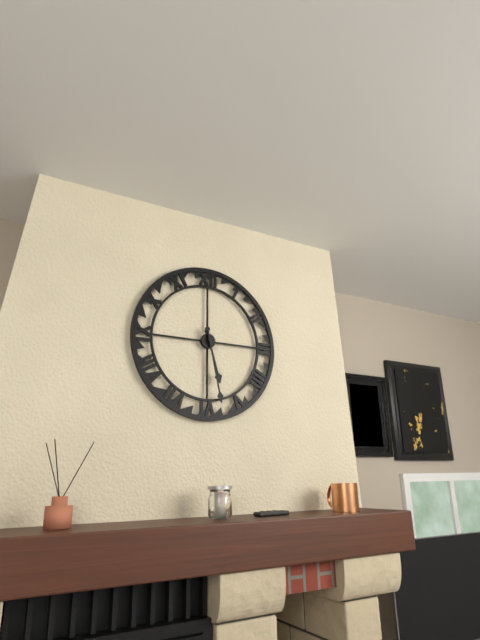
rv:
5h28
